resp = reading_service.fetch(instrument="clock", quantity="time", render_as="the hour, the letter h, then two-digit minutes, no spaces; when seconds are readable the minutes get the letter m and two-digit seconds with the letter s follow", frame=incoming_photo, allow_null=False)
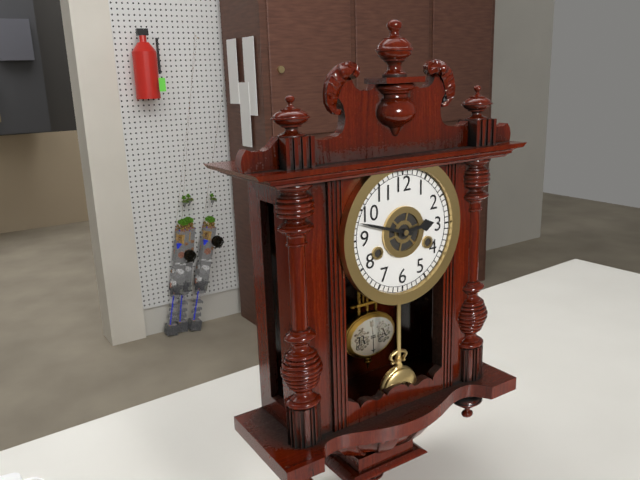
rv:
2h48
